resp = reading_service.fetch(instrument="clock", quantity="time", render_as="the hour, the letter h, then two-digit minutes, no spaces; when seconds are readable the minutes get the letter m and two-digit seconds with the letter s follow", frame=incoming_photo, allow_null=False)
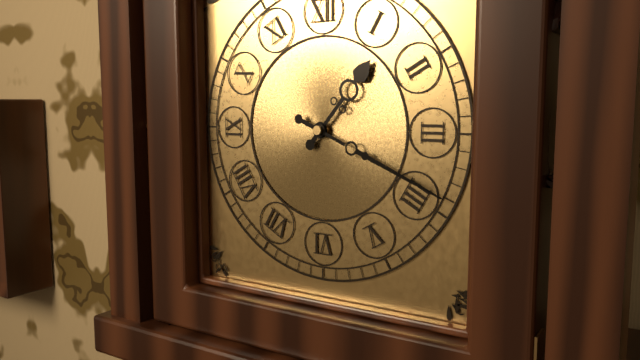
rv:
1h19
